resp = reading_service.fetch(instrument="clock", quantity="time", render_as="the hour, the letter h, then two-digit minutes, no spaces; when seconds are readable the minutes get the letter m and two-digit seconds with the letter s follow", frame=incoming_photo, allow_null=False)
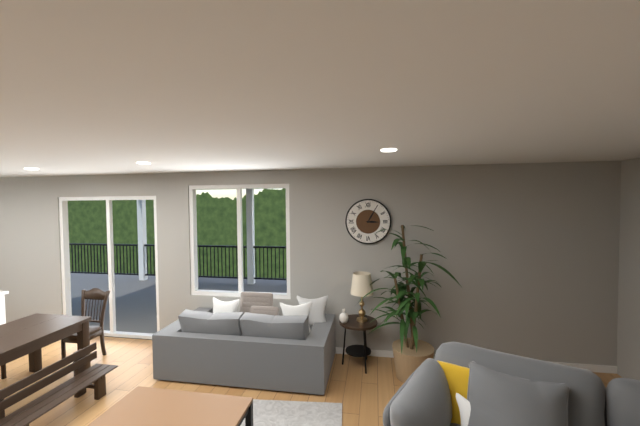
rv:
3h05
